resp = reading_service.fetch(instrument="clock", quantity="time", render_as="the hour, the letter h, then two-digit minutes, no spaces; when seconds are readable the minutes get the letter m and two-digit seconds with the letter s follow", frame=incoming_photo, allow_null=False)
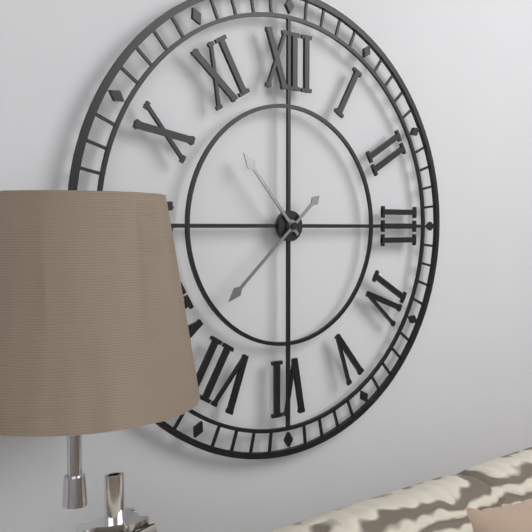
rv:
10h38
